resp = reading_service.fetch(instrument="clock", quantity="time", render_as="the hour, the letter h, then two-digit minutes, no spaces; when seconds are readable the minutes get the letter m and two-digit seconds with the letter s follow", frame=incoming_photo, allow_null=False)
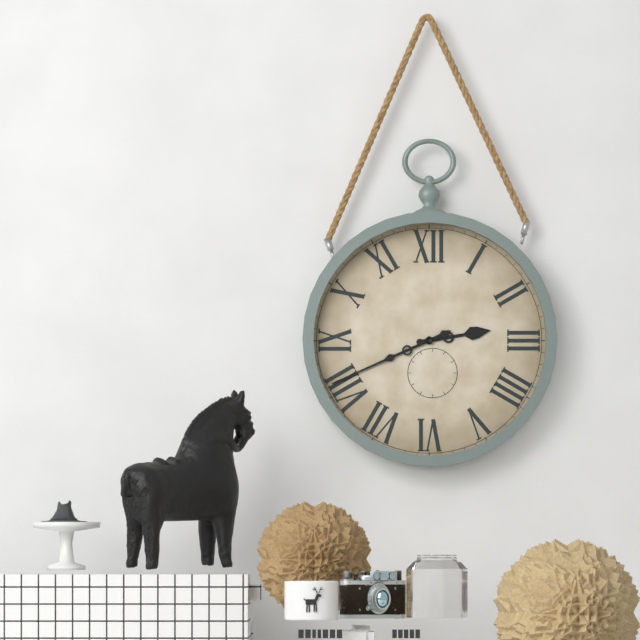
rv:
2h41
